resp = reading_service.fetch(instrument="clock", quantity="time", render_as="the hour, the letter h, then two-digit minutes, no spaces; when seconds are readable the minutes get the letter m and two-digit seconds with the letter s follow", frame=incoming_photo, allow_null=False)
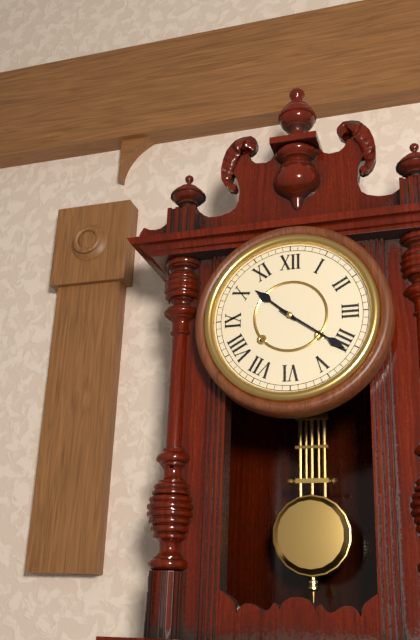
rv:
10h21
